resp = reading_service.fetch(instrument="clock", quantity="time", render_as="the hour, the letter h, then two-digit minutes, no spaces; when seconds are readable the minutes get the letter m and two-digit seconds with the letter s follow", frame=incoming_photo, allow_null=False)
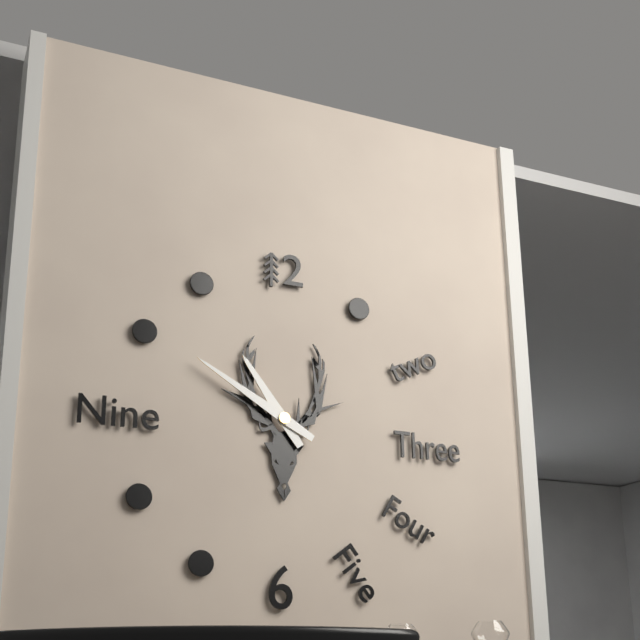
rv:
10h50
